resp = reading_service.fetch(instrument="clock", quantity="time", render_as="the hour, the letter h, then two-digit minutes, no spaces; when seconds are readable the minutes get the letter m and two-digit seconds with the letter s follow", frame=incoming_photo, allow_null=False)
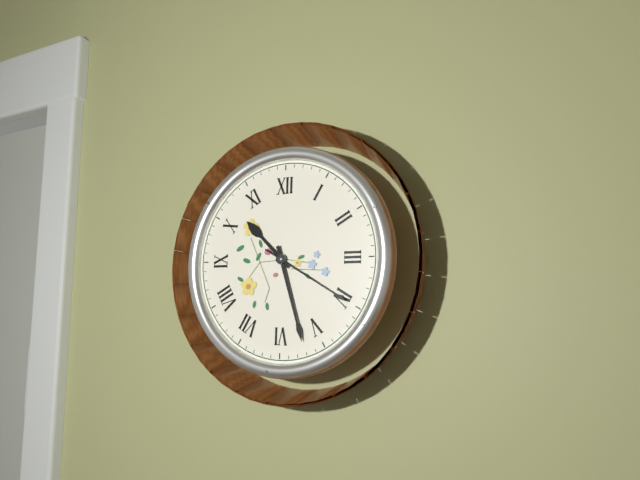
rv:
10h27m20s
